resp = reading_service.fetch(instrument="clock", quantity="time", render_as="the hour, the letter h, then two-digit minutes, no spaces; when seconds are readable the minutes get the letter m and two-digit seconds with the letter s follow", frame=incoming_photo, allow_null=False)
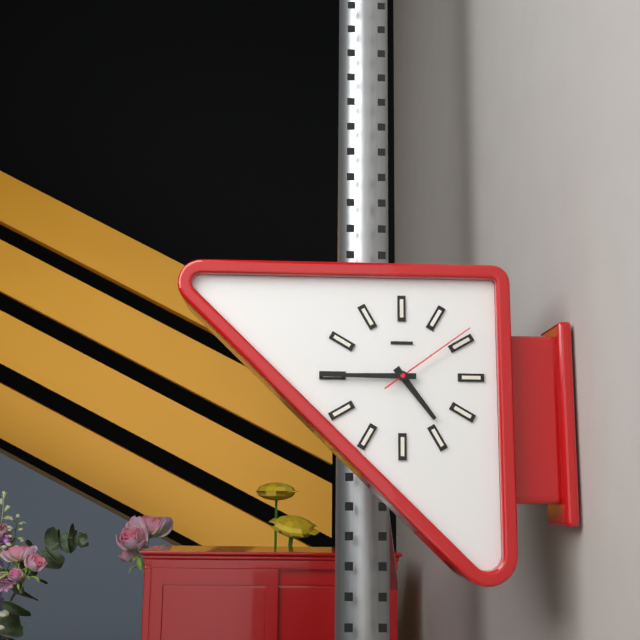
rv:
4h45m09s
